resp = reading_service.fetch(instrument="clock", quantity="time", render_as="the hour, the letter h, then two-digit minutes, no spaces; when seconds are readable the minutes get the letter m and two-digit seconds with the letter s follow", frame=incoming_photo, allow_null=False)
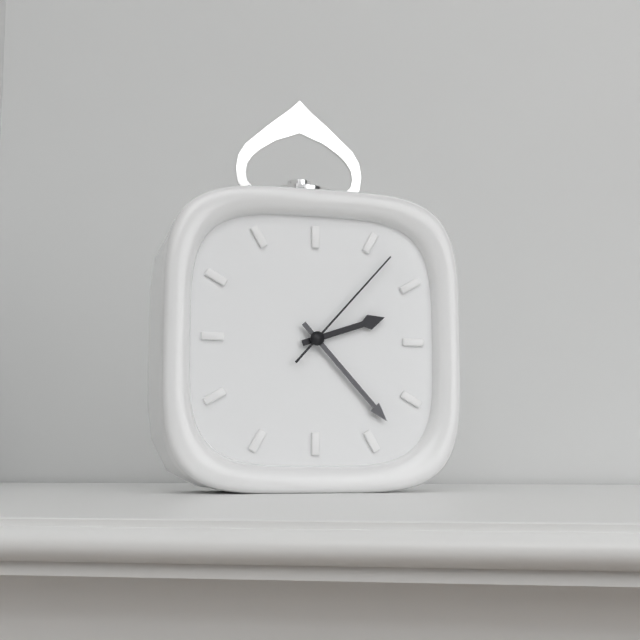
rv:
2h23m07s
